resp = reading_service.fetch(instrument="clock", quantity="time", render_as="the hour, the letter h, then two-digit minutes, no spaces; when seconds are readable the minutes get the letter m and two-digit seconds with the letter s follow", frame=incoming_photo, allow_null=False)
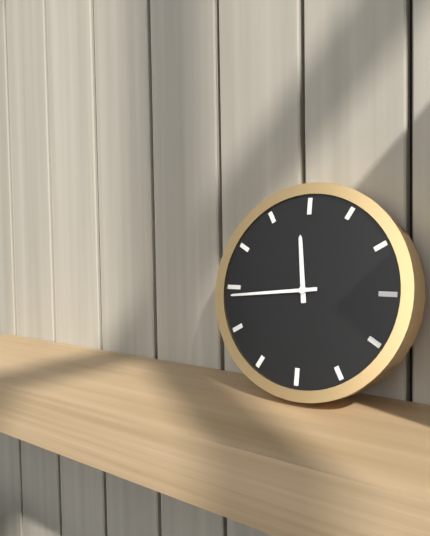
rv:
11h44
